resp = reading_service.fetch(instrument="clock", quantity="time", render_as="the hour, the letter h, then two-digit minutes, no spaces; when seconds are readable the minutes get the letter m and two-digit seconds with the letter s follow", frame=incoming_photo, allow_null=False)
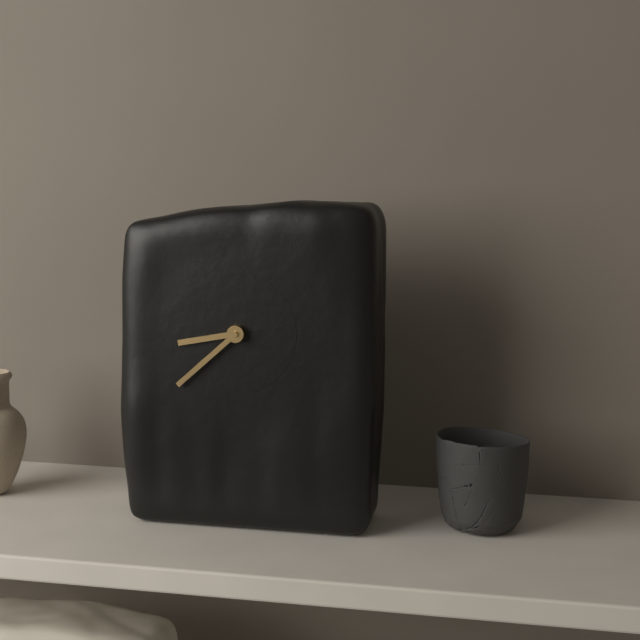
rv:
8h38
